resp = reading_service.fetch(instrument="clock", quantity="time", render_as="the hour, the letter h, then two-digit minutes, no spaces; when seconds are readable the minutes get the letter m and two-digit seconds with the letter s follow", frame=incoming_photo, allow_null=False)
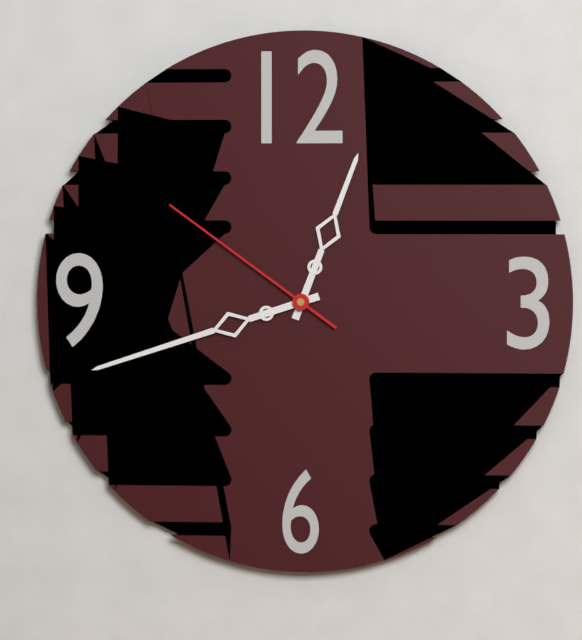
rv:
12h42m51s
